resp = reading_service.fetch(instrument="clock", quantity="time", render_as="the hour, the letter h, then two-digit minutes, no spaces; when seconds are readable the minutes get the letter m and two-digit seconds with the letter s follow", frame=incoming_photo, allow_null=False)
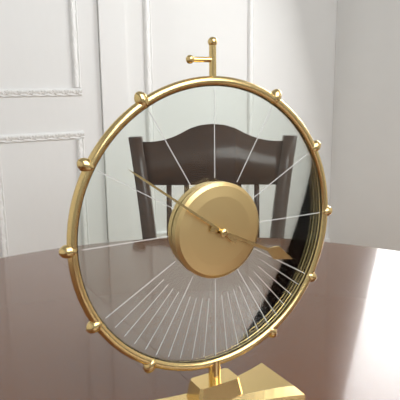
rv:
3h51
